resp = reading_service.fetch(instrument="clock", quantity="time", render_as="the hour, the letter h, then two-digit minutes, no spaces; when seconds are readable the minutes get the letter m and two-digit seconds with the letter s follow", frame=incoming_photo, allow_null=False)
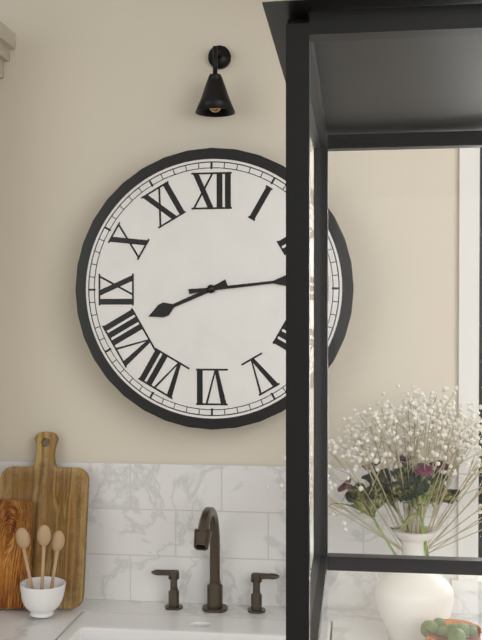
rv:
8h14
